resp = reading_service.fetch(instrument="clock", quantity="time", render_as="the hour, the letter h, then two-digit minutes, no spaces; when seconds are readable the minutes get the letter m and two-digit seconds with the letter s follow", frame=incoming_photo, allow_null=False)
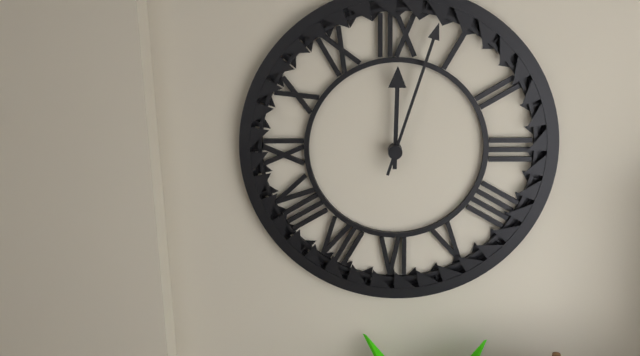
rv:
12h03
